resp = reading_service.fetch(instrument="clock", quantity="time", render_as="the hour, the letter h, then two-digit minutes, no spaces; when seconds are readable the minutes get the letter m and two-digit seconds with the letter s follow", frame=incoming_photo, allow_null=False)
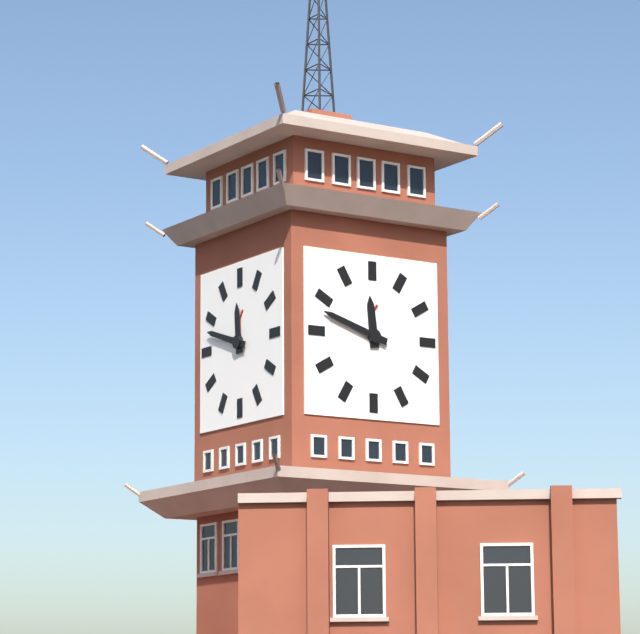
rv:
11h48
